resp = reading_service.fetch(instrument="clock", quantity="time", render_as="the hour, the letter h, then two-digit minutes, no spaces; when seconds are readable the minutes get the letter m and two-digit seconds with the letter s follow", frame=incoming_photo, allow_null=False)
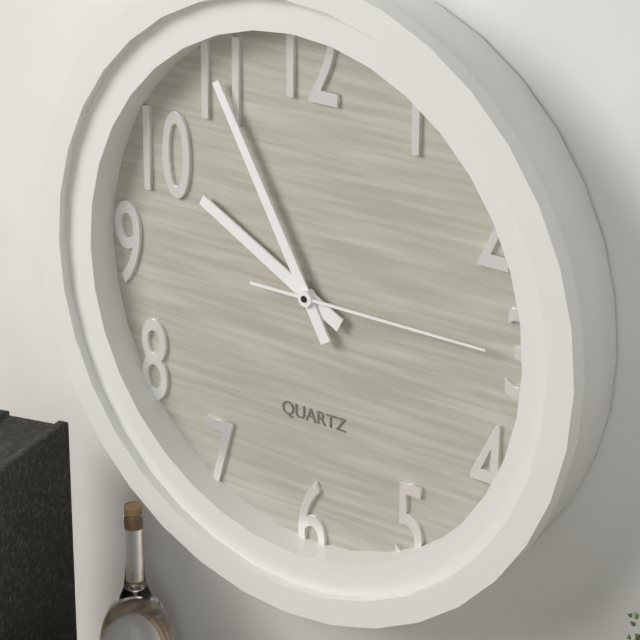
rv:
9h55m15s
